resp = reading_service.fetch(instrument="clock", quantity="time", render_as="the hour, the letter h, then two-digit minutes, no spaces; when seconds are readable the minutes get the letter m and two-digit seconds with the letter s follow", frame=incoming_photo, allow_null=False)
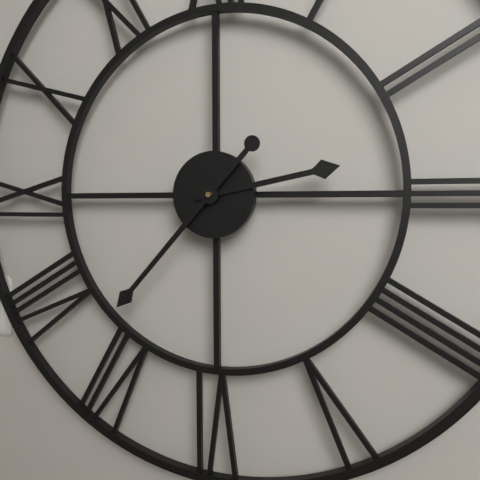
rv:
2h37
